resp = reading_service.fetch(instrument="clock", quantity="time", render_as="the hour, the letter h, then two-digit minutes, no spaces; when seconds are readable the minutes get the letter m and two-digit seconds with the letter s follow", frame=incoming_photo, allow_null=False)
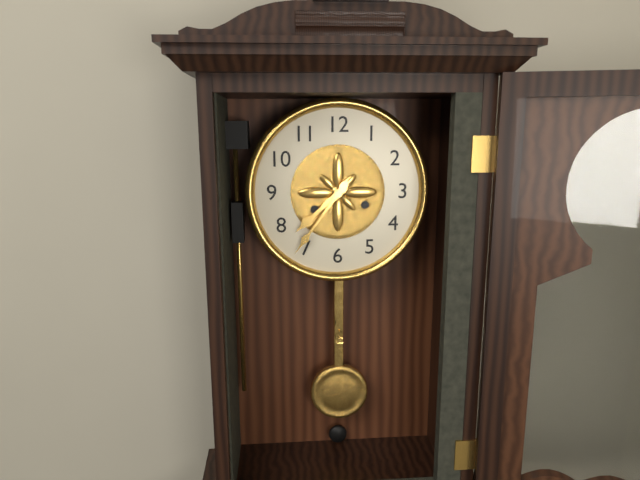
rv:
7h36
